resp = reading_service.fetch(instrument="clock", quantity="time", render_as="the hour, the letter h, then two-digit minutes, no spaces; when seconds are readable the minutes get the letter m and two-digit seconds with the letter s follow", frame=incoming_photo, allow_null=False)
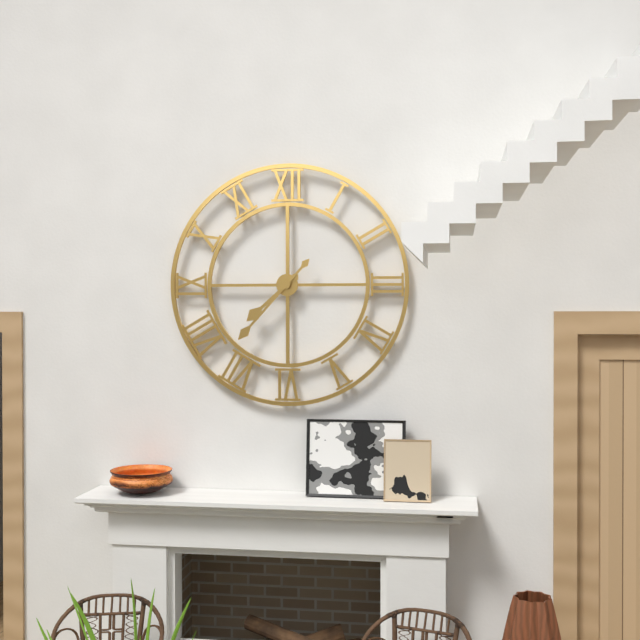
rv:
7h37
